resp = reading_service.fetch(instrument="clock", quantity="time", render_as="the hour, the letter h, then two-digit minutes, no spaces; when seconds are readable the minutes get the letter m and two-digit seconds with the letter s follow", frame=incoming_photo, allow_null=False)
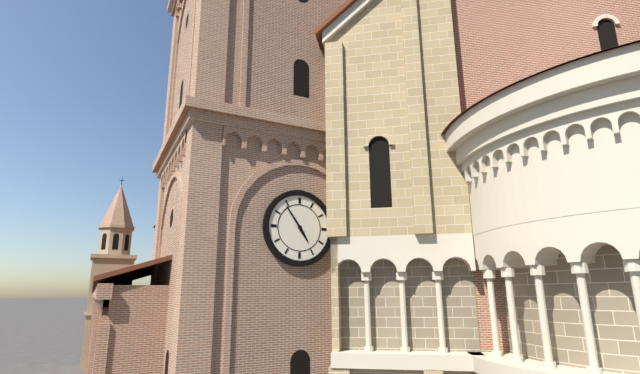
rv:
4h54
